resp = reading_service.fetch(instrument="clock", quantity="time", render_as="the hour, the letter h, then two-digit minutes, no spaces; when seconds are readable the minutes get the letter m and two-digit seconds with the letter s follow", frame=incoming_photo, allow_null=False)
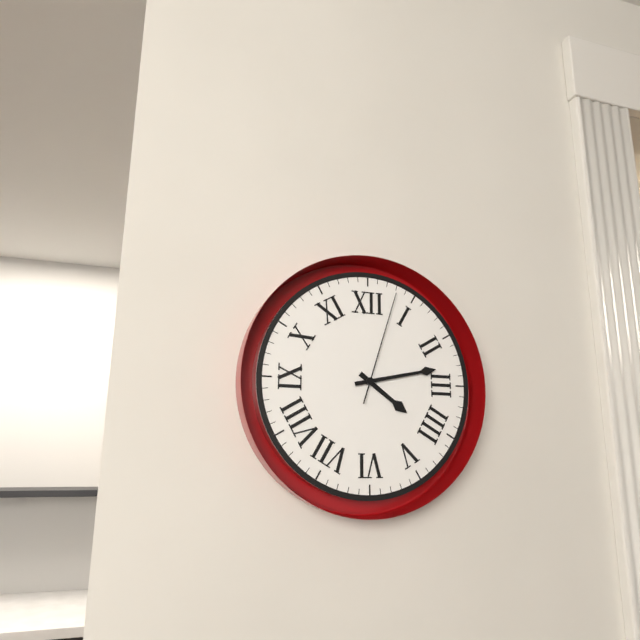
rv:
4h13m03s
